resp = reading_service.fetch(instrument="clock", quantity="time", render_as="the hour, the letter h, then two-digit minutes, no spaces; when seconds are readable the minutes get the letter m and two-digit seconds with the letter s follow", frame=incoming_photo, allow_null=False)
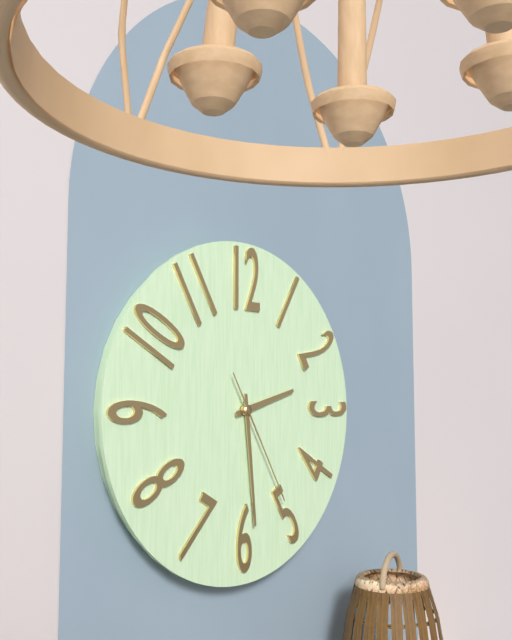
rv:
2h29m25s
